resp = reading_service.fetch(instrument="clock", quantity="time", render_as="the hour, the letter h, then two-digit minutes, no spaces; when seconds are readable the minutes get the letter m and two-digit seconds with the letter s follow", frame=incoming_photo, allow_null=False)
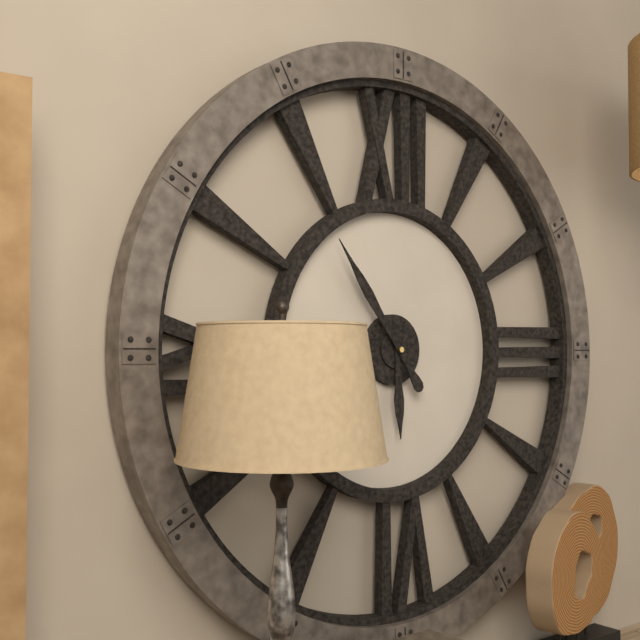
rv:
5h54
